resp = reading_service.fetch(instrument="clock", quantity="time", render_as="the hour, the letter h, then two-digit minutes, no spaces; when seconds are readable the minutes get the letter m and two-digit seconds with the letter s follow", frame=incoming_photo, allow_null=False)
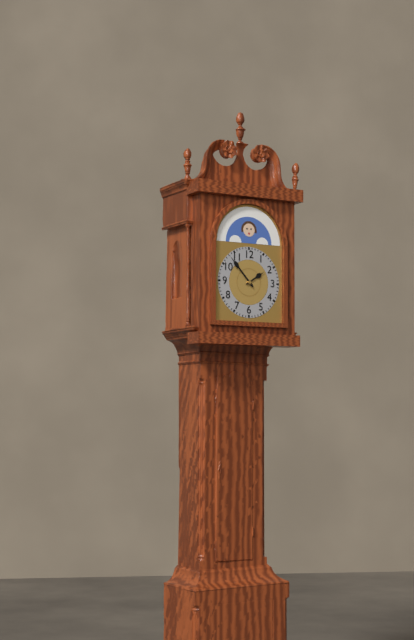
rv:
1h53
